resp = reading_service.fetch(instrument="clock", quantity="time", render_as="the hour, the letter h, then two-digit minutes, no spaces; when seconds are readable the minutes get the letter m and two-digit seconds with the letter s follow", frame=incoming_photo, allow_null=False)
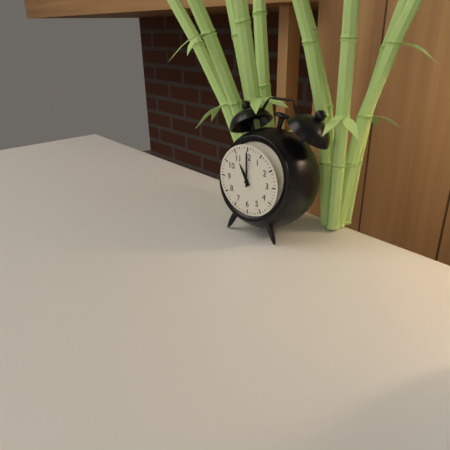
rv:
11h00
